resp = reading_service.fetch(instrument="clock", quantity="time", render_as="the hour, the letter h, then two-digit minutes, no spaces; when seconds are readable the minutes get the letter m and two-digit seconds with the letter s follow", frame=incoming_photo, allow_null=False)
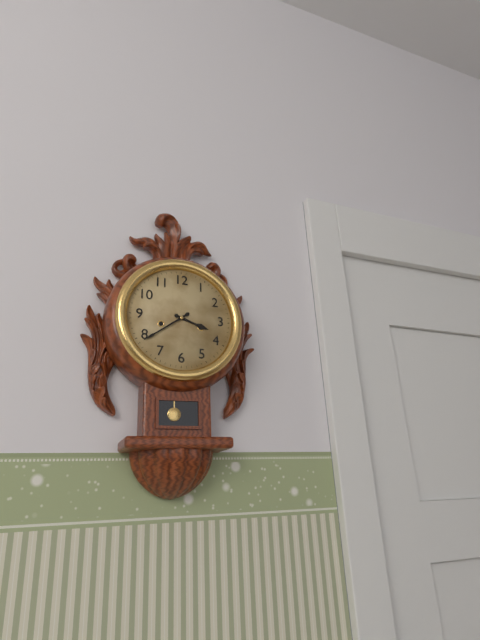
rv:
3h39
